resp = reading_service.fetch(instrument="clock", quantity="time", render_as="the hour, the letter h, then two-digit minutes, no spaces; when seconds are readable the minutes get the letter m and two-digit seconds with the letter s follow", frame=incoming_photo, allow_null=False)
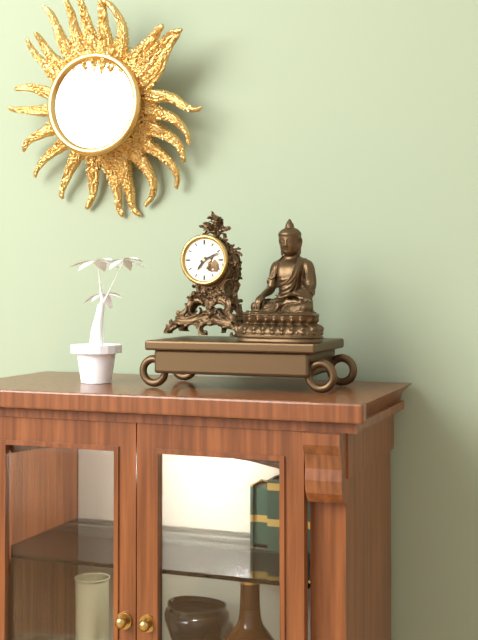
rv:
7h11
